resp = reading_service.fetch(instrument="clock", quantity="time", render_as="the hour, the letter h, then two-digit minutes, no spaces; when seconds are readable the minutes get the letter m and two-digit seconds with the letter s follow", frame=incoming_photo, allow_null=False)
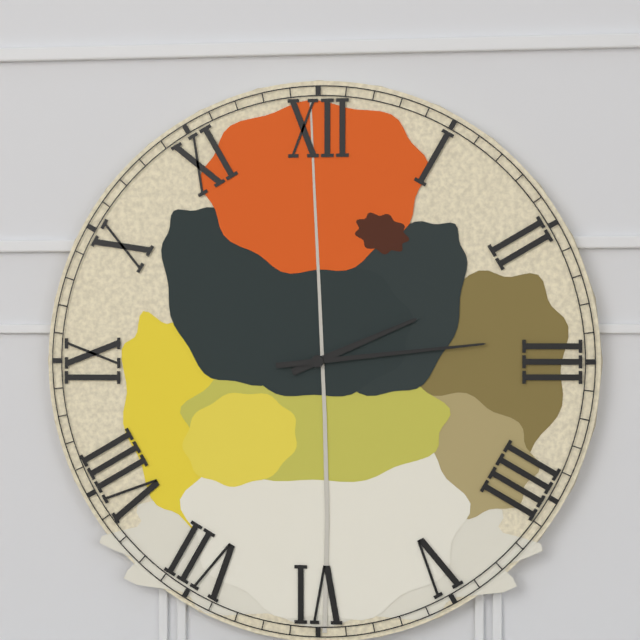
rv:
2h14
